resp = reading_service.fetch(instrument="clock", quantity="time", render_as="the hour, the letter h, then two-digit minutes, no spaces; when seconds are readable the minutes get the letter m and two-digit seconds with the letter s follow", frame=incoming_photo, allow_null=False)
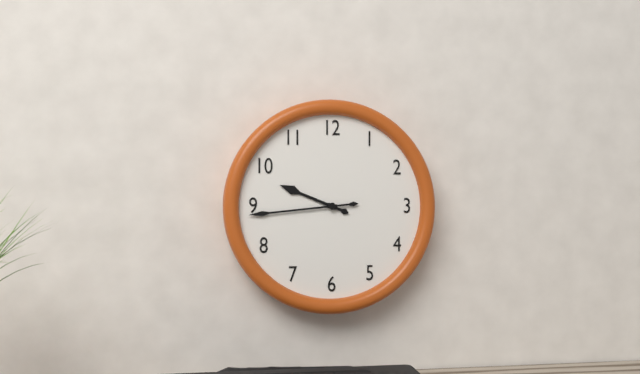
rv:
9h44
